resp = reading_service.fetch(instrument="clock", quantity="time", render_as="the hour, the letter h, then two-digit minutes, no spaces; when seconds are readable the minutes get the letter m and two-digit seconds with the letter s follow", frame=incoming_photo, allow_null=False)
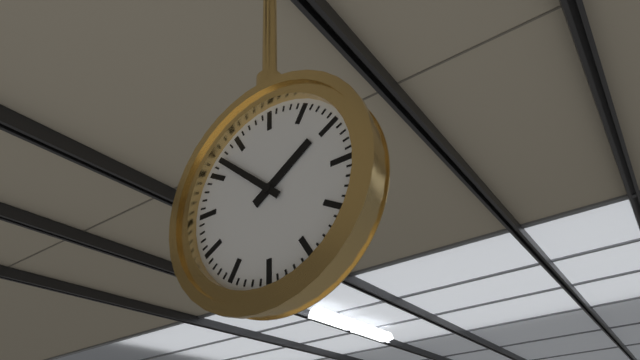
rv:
1h52
